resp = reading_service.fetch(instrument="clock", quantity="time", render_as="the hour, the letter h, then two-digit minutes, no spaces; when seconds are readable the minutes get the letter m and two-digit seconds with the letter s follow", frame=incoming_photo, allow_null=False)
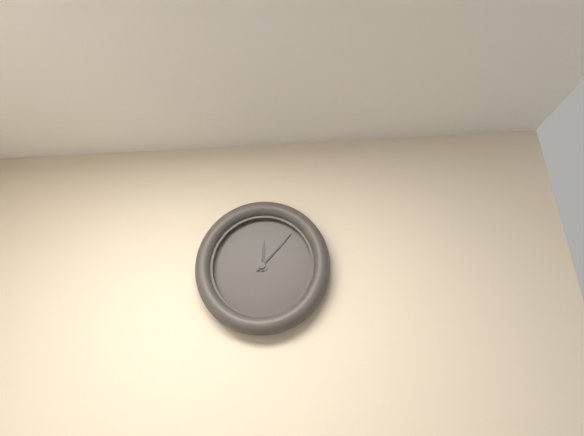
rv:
12h07
